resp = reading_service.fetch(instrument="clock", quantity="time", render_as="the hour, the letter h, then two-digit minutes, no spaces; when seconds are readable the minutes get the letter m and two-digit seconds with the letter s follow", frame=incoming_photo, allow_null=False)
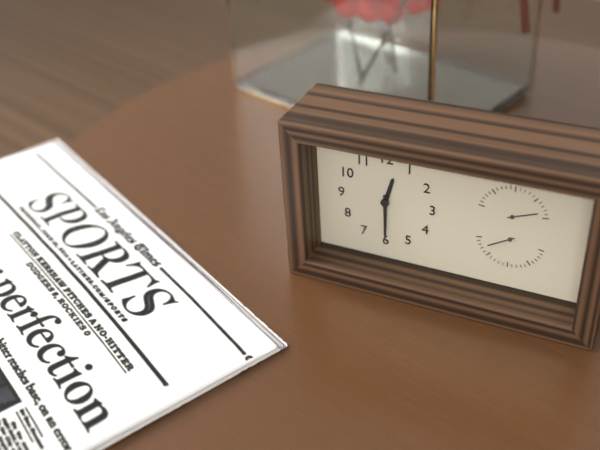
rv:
12h30
